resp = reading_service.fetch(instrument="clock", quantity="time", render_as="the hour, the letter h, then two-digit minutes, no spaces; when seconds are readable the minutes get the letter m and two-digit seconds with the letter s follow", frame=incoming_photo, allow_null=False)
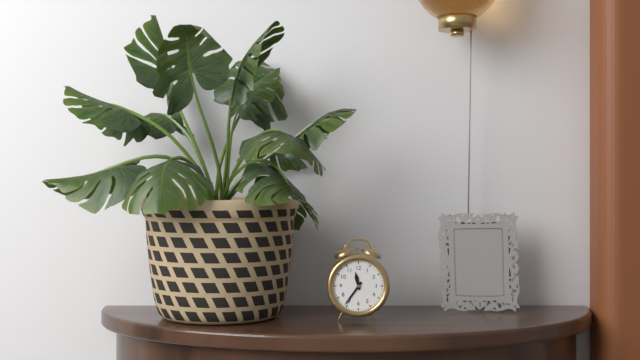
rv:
11h36
